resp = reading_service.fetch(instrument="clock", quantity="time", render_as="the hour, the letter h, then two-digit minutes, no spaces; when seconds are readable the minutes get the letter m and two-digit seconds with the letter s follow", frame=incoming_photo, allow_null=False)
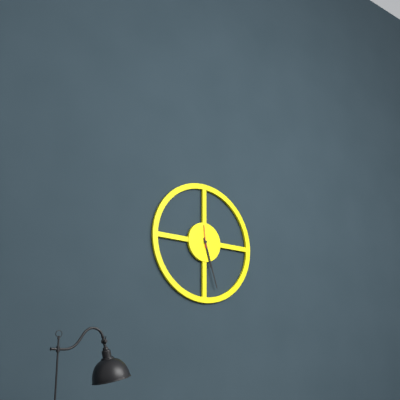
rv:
5h27
